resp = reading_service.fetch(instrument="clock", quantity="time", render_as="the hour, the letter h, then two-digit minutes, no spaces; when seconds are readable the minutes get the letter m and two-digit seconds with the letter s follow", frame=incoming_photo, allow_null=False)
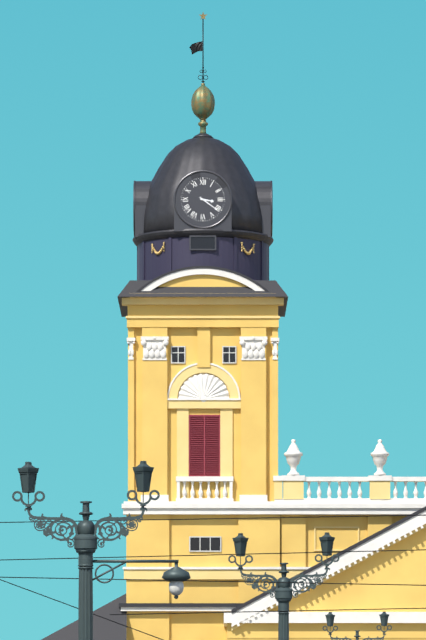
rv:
3h21
